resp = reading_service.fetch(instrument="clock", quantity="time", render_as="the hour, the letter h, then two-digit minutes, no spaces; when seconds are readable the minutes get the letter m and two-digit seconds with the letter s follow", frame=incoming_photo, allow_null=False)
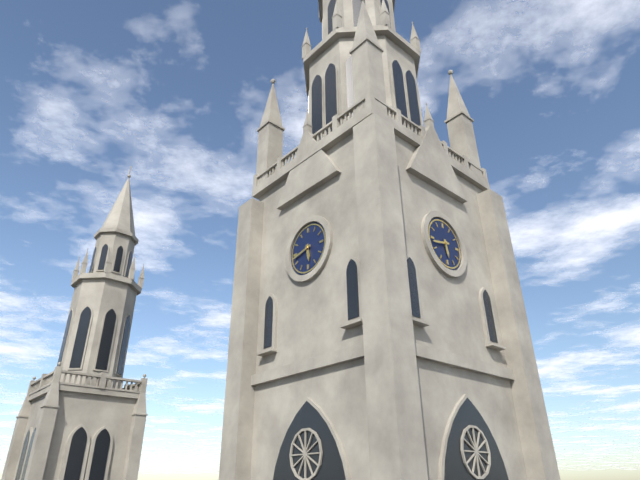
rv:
5h43
